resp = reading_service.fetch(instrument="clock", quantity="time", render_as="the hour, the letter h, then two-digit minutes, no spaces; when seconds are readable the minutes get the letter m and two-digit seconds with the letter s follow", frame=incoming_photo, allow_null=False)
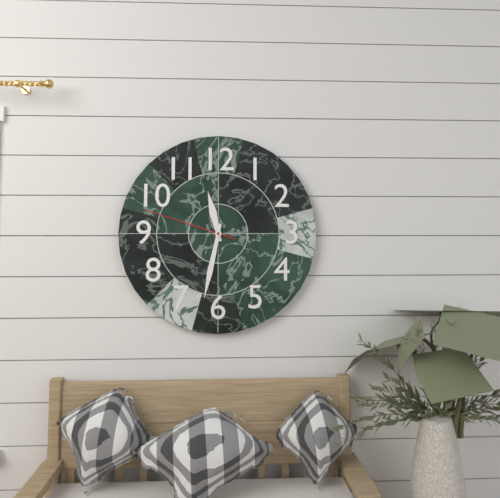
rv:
11h32m48s
